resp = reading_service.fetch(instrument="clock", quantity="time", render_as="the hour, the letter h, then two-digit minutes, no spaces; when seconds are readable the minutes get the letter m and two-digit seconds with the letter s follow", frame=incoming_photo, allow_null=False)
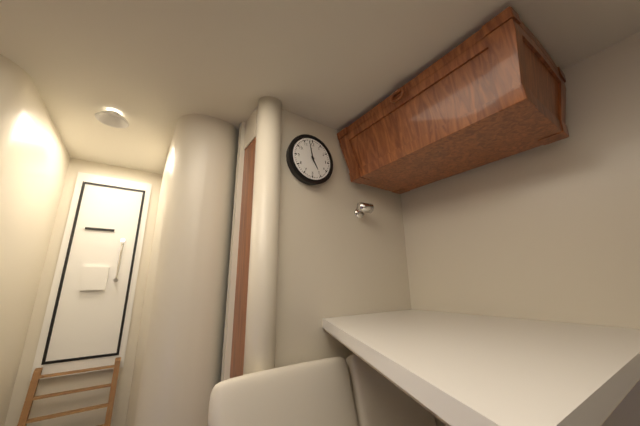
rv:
4h58
